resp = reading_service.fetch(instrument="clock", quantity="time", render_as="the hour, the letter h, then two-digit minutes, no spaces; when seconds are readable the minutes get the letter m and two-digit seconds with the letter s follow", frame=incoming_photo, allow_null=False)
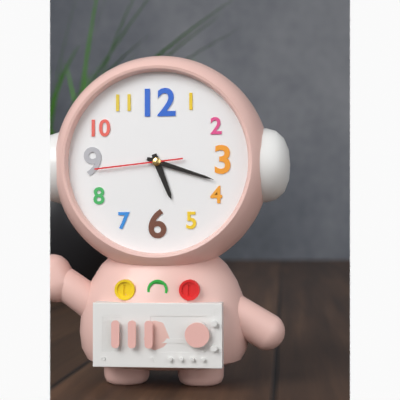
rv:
5h18m44s
